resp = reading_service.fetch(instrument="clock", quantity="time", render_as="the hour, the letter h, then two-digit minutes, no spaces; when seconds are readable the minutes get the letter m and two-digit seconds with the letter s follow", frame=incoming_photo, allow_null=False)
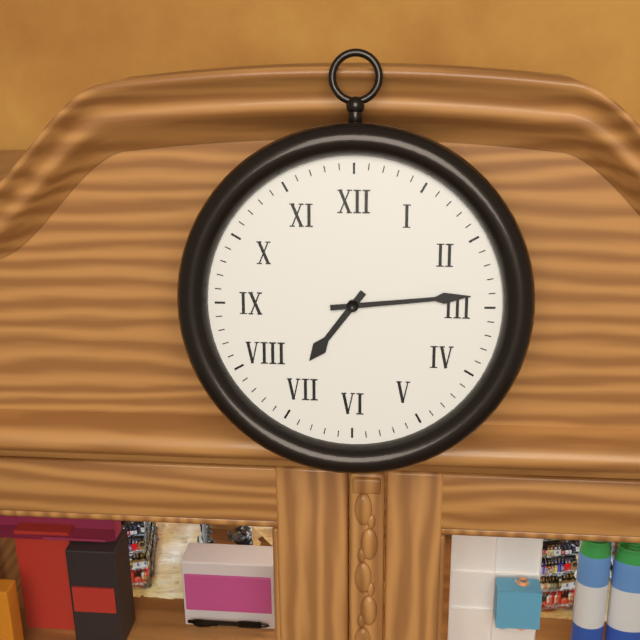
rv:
7h14
